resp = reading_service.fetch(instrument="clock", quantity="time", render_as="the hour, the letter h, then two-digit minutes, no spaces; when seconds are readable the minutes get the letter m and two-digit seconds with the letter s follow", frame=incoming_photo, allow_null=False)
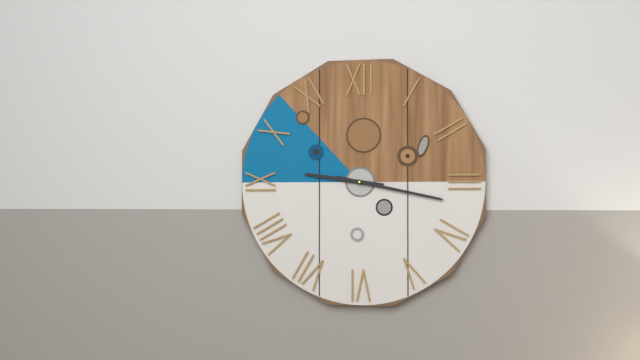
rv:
9h17
